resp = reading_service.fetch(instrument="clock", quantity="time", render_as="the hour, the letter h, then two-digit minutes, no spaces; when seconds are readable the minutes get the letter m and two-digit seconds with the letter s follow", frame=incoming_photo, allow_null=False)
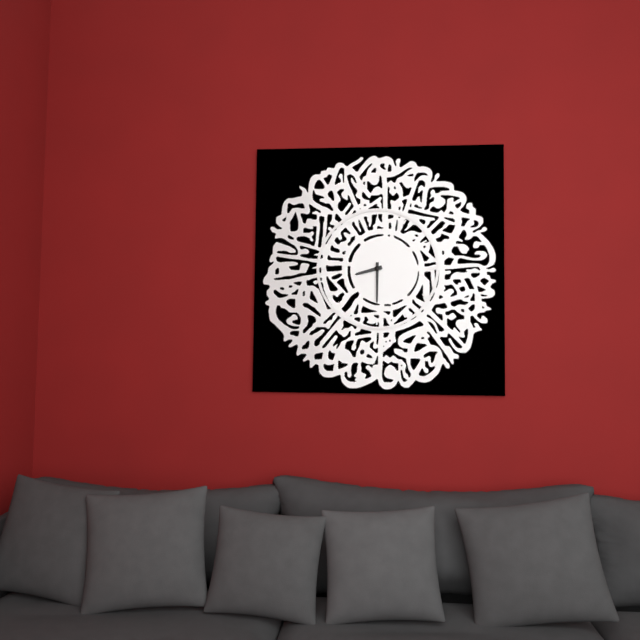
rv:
8h30
